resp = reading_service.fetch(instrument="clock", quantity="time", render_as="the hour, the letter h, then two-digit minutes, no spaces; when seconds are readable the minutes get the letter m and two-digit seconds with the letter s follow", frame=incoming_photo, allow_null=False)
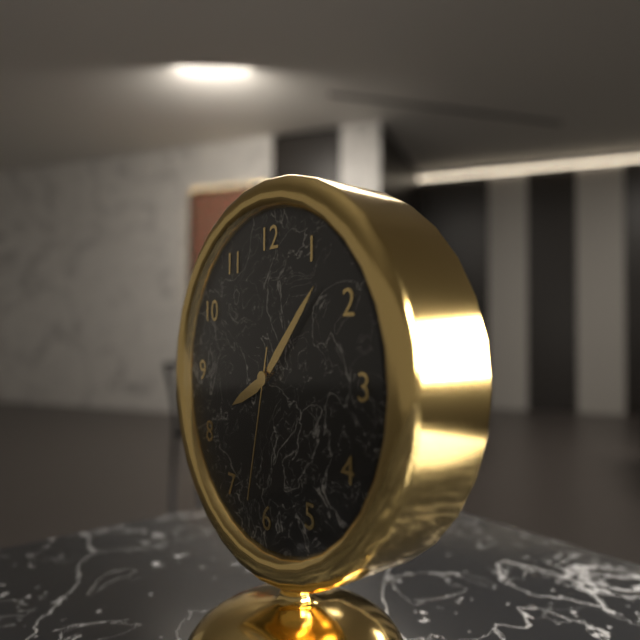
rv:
8h07m32s
